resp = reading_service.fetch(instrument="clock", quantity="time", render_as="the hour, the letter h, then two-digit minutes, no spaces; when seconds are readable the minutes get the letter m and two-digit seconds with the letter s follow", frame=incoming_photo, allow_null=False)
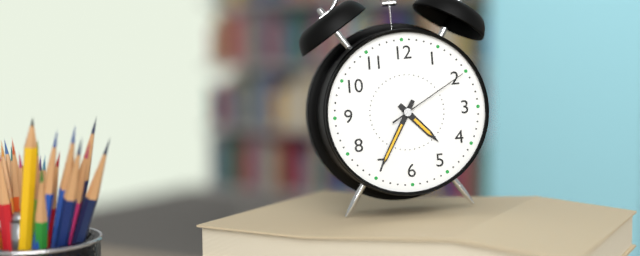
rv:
4h35m10s
